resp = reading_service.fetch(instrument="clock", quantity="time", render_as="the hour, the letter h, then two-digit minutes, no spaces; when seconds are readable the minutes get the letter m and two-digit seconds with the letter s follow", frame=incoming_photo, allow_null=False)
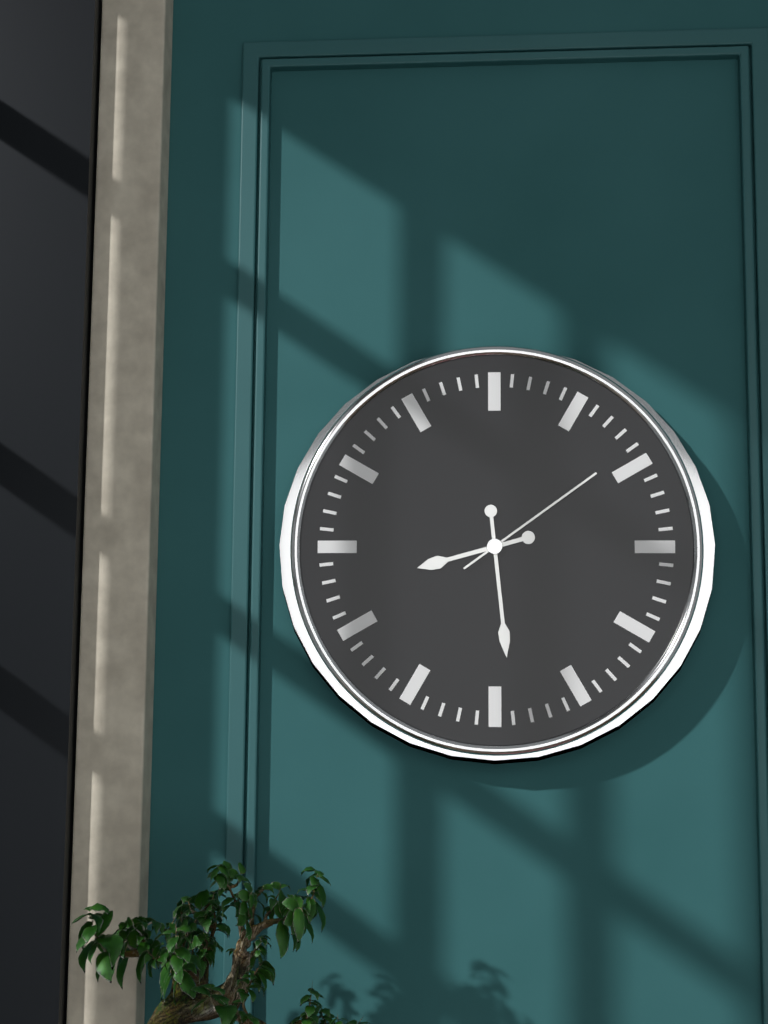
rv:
8h29m09s
